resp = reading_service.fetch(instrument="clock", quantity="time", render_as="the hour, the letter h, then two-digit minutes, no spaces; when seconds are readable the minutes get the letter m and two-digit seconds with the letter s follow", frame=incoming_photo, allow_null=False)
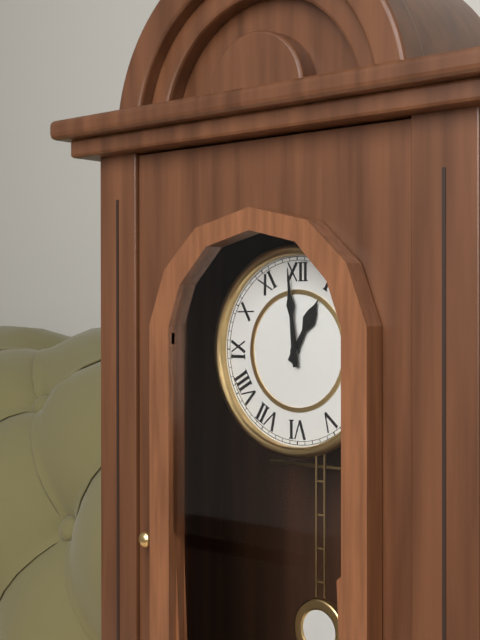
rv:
12h59
